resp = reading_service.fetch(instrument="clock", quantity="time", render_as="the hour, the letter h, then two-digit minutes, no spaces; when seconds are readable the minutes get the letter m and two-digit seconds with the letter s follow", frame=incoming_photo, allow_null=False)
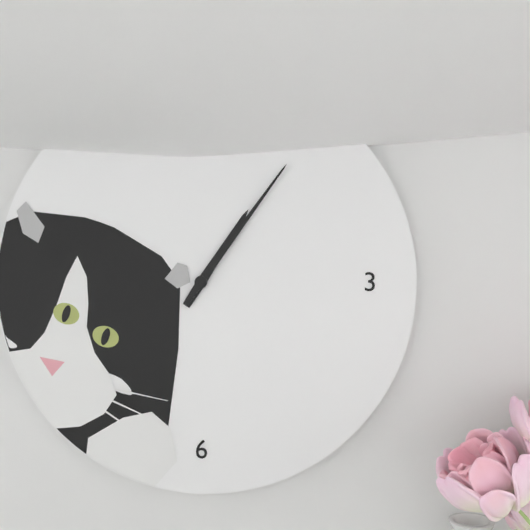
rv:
1h06
